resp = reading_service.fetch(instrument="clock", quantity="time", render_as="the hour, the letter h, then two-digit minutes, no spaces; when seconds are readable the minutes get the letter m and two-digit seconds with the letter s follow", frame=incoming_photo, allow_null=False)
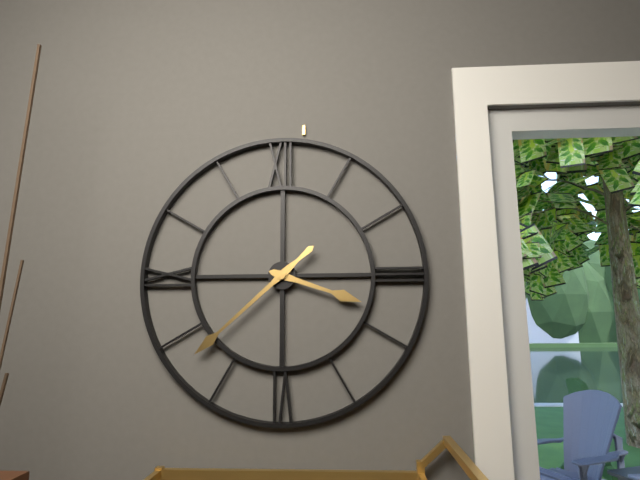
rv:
3h38
